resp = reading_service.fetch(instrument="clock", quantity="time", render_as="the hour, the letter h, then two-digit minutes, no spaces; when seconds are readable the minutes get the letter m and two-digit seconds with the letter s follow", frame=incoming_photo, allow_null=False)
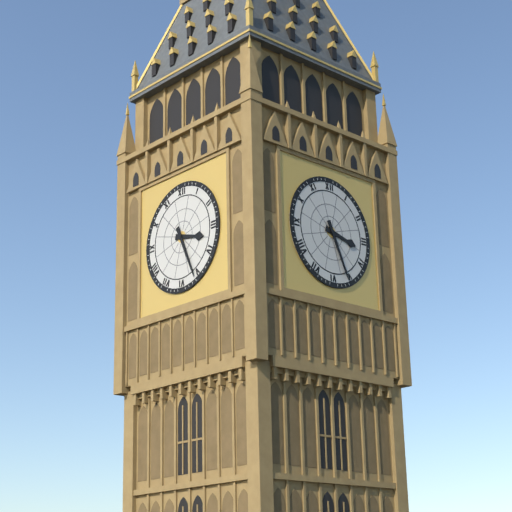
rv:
3h26
